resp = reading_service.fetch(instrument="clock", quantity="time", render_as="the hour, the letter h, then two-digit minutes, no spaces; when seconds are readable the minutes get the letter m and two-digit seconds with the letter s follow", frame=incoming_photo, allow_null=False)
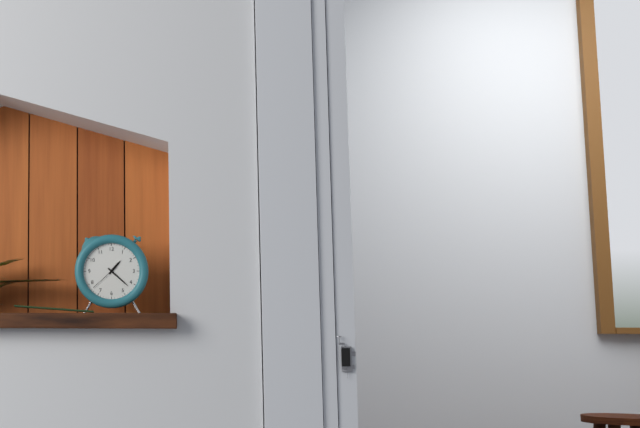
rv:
1h22
